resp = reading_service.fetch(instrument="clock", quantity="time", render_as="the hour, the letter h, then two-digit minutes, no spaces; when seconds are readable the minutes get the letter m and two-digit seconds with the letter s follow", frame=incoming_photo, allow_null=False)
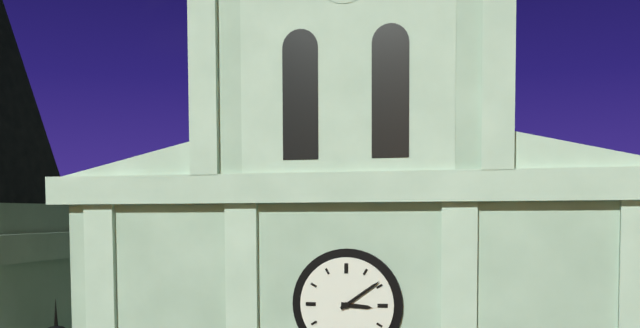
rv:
3h09
